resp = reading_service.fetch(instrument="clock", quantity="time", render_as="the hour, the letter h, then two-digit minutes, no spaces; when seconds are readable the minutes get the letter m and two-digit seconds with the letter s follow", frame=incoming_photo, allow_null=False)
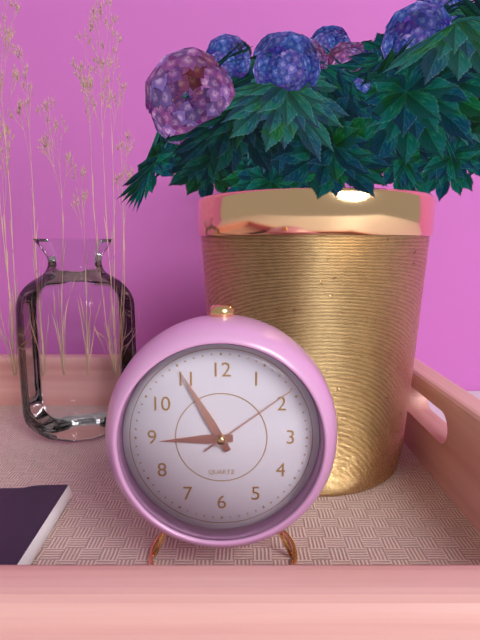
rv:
8h55m09s
